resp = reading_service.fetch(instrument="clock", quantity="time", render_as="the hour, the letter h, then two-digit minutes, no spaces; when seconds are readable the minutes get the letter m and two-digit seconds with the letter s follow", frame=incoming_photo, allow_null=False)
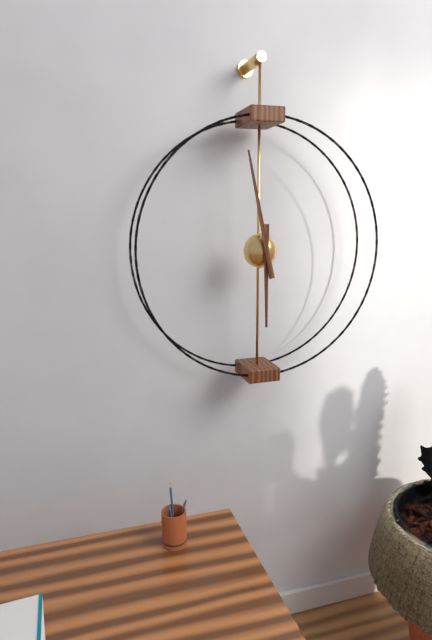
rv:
5h58
